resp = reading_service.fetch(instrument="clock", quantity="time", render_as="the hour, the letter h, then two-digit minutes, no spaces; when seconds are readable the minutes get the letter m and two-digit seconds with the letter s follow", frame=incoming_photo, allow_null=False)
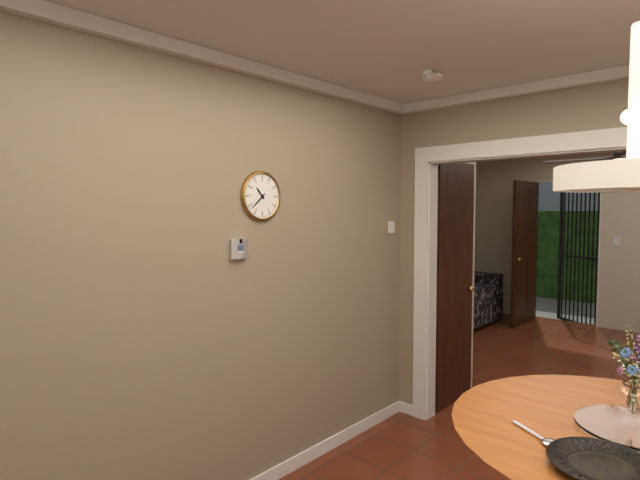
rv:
10h38
